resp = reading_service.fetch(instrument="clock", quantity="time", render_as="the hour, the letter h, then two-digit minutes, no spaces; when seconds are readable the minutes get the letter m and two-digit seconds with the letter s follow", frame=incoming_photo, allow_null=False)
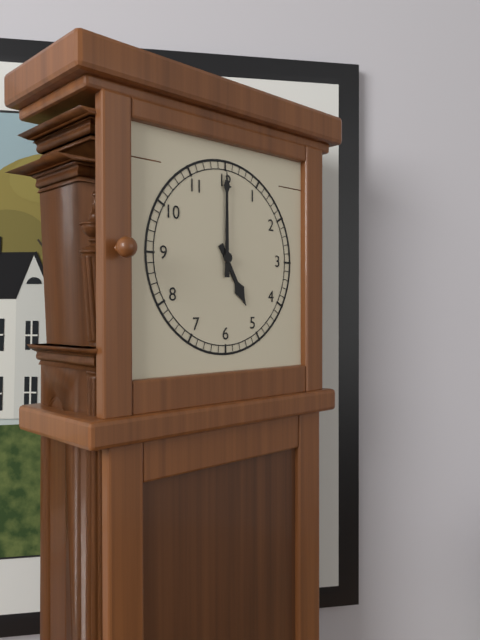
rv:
5h00
